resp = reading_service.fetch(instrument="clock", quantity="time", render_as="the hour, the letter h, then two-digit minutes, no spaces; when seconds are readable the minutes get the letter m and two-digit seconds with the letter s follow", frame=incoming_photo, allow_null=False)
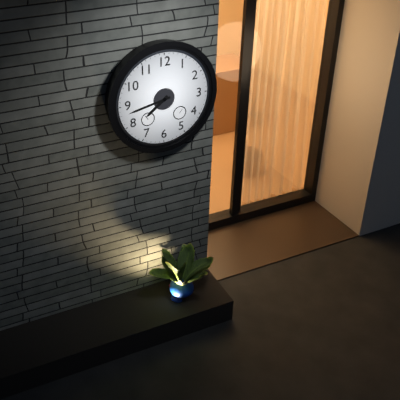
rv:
7h43
